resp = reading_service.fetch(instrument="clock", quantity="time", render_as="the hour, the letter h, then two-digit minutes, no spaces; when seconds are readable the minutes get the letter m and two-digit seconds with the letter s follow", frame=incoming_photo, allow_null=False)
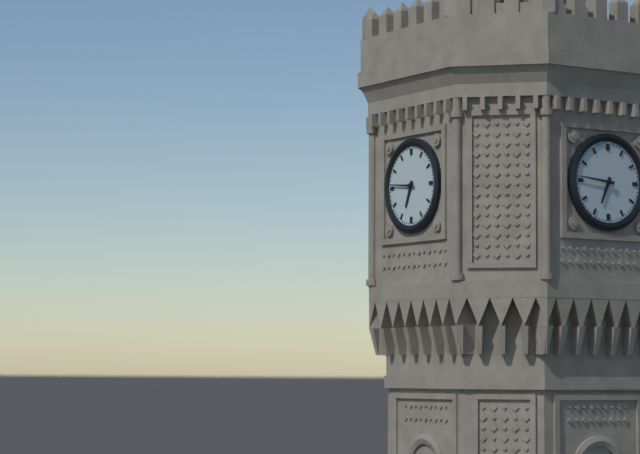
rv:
6h46
